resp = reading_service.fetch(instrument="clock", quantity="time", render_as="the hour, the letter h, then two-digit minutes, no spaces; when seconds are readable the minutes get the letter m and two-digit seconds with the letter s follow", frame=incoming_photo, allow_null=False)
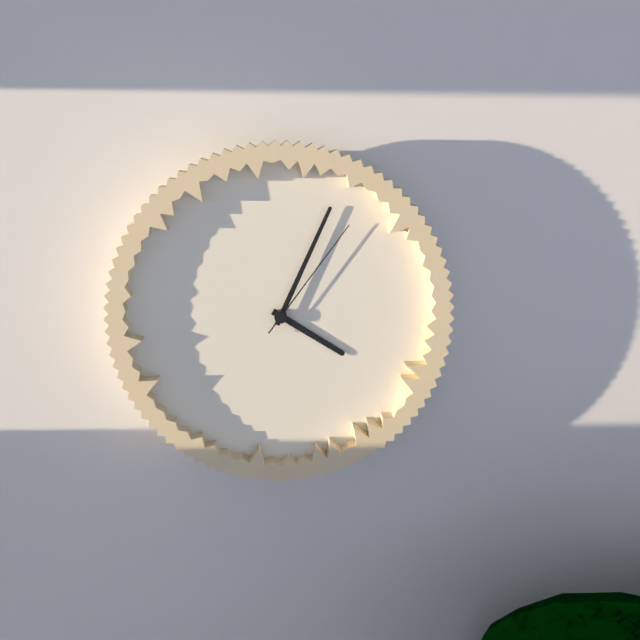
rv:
4h04m06s
